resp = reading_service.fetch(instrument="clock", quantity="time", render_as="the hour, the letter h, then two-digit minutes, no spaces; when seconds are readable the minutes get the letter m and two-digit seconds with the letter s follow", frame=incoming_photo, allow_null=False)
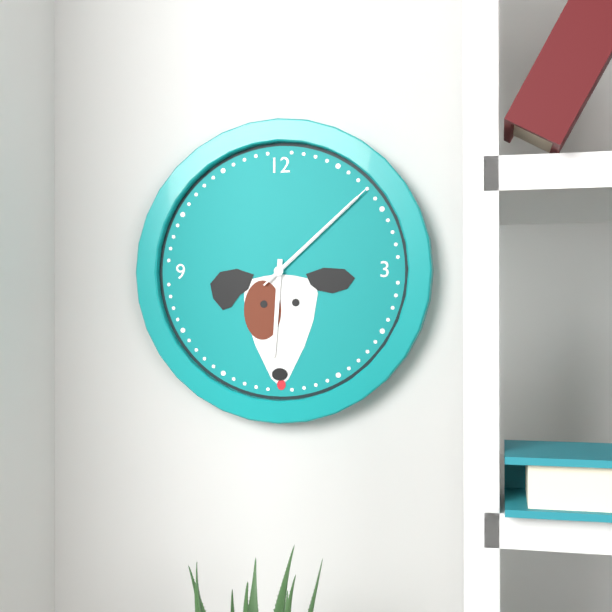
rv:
6h08m08s
